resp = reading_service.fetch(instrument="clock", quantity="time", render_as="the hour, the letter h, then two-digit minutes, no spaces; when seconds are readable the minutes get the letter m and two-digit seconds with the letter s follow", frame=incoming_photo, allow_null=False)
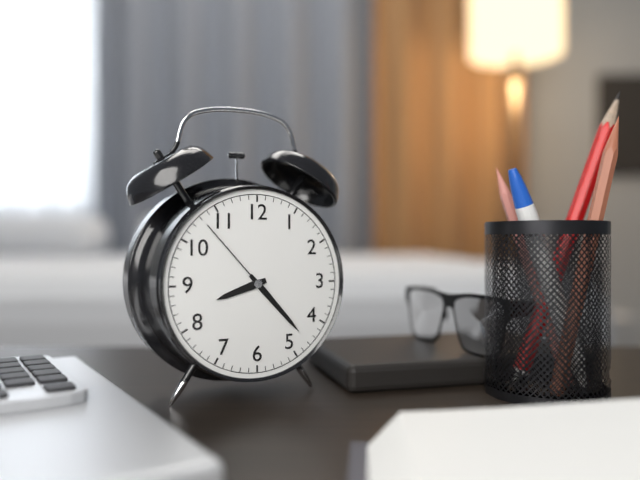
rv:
8h23m53s
